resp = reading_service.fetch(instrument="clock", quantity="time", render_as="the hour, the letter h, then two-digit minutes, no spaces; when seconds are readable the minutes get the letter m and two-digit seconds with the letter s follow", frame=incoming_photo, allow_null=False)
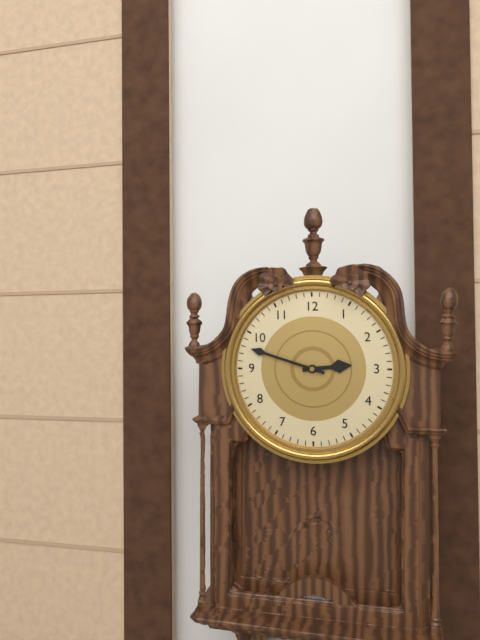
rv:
2h48
